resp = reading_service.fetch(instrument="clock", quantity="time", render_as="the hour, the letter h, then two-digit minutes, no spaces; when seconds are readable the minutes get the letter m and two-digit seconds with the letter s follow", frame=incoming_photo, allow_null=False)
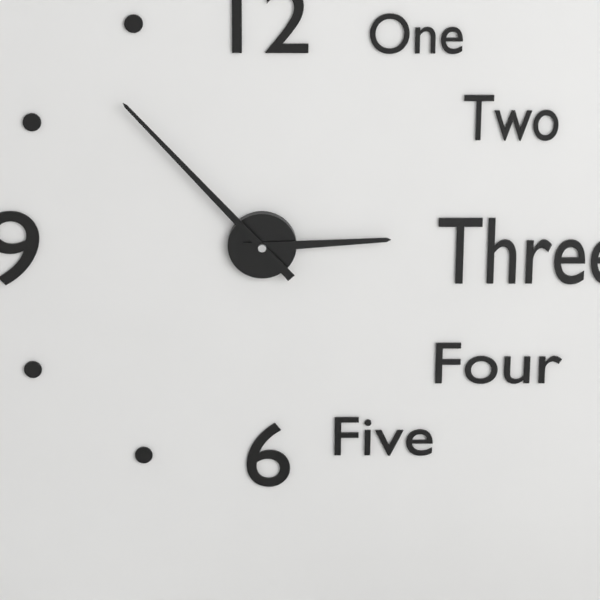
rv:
2h53
